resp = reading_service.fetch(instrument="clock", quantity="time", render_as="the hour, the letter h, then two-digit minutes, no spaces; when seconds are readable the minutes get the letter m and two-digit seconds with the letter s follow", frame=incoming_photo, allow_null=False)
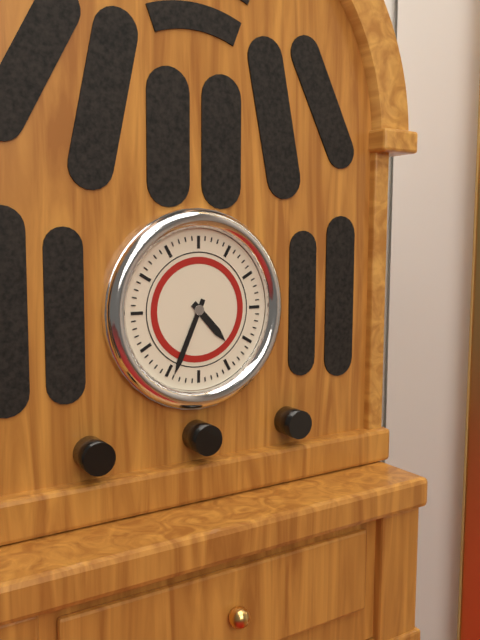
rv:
4h34
